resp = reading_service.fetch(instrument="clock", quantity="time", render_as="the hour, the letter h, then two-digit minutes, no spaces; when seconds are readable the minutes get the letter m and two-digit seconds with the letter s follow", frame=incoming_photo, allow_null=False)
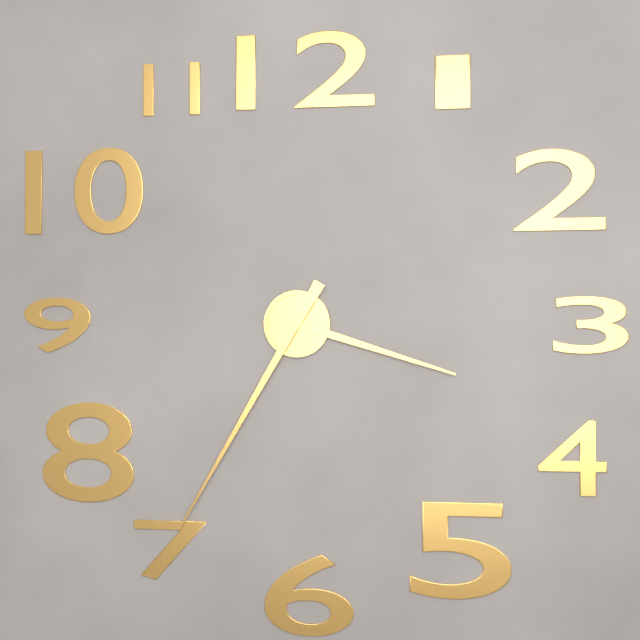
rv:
3h35
